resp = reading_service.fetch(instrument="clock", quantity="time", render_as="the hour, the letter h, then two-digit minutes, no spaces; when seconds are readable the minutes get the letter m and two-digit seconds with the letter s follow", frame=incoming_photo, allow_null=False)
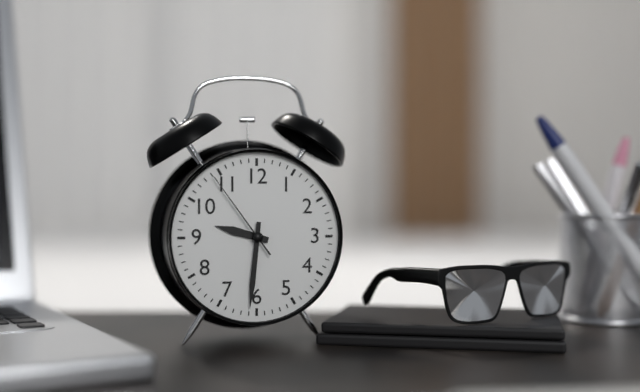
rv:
9h31m54s
